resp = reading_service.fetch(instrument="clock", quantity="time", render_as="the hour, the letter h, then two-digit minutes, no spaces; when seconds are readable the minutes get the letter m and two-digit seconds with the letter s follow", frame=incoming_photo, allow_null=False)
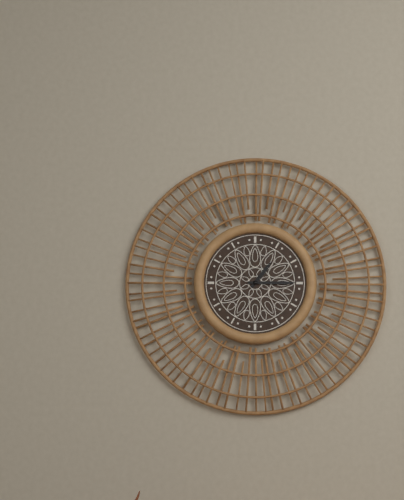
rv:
1h15
